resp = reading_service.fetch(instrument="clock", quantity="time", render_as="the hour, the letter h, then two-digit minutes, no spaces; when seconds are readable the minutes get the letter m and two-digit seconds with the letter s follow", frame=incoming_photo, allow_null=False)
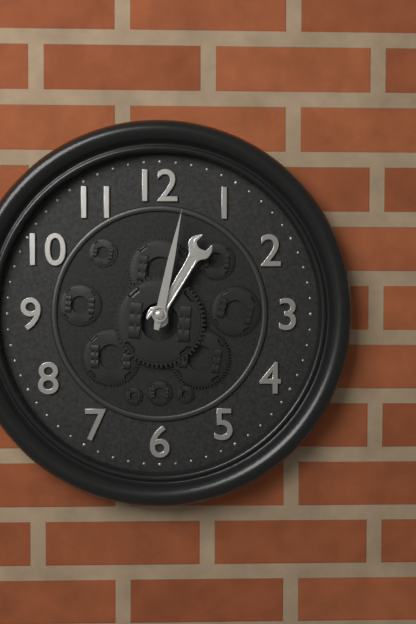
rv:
1h02
